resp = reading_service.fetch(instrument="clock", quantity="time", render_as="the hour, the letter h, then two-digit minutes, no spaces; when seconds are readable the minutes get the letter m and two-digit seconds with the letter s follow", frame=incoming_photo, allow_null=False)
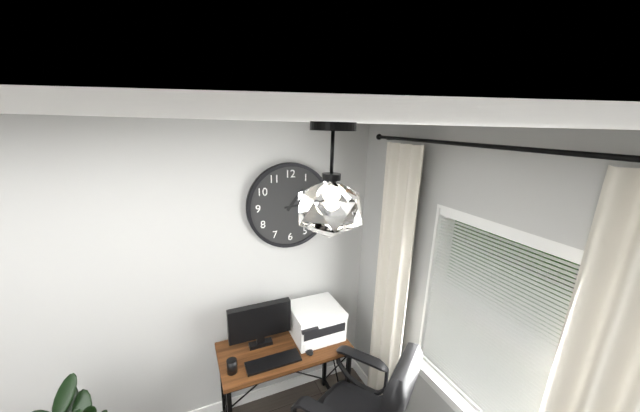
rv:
1h14
